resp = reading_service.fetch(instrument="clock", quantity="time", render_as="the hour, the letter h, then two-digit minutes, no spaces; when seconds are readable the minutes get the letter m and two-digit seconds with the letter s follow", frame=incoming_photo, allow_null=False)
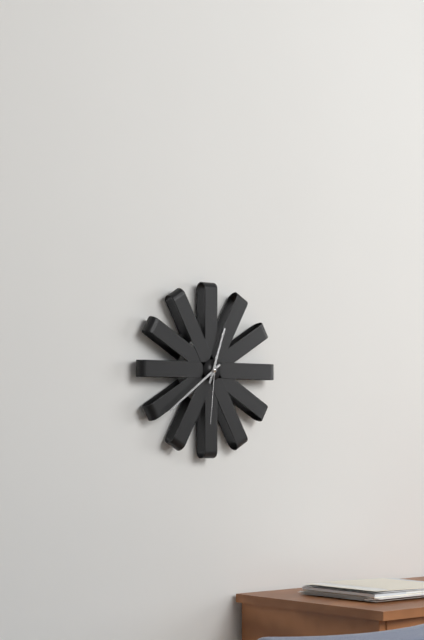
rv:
12h39m31s
